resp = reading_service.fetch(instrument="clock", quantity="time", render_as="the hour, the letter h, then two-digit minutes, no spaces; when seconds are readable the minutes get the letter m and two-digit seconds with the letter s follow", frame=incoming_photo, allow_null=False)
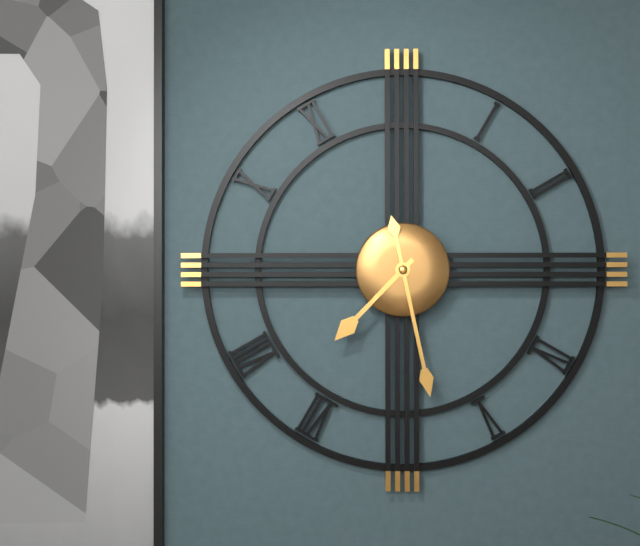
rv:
7h28
